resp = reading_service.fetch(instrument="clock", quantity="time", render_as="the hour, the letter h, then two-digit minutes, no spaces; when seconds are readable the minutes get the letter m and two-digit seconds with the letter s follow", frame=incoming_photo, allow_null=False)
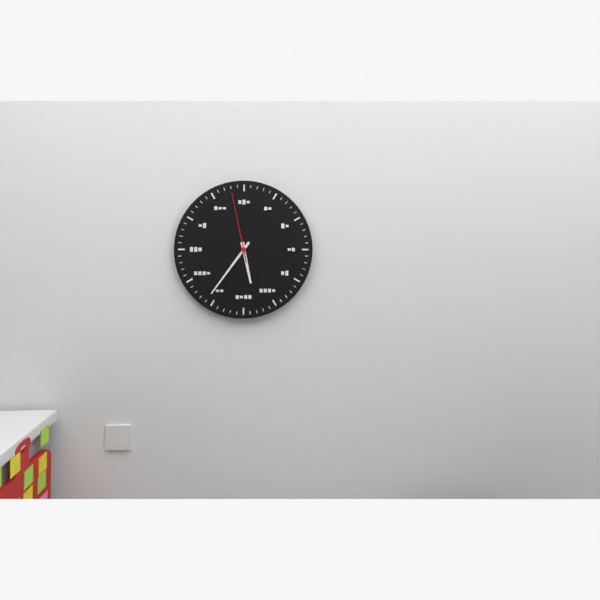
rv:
5h36m58s
